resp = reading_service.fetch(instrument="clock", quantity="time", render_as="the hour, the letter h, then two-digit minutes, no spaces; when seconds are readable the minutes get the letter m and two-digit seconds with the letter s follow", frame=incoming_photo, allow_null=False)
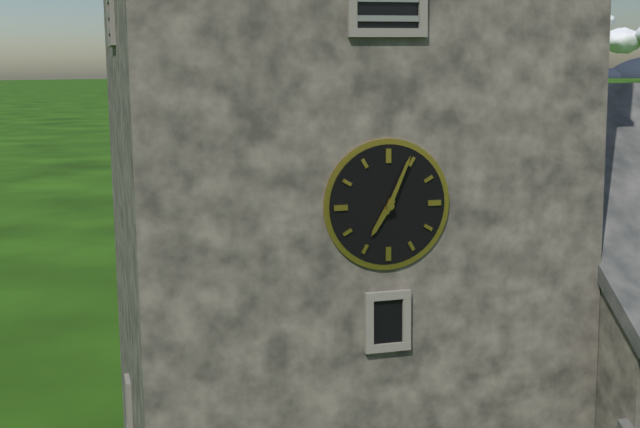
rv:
7h04
